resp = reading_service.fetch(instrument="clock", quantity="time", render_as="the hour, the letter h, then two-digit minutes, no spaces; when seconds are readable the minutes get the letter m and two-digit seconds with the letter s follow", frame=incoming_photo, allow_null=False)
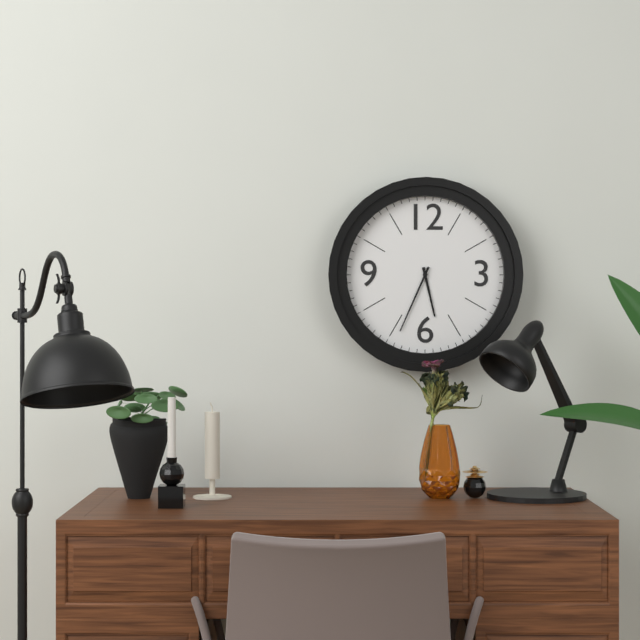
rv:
5h34
